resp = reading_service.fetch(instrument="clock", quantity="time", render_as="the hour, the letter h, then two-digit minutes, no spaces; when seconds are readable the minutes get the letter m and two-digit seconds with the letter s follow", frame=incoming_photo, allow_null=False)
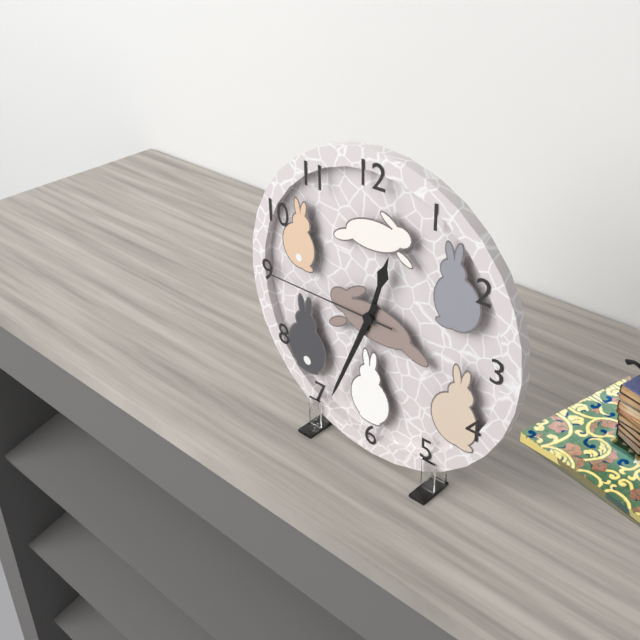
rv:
12h34m45s
